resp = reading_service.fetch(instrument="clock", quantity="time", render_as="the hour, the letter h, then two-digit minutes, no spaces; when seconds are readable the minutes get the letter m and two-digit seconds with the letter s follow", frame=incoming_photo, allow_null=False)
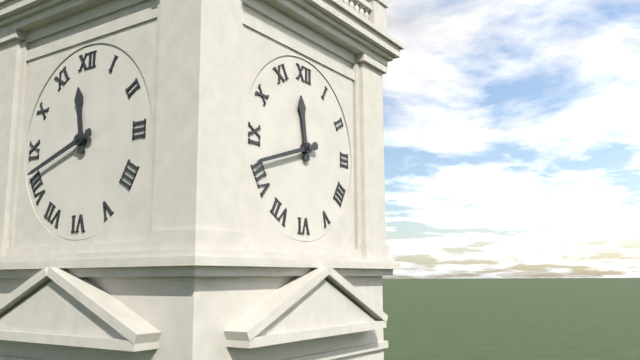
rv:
11h42
